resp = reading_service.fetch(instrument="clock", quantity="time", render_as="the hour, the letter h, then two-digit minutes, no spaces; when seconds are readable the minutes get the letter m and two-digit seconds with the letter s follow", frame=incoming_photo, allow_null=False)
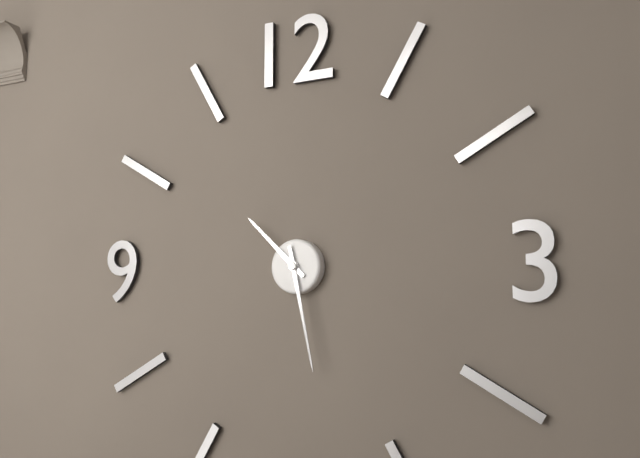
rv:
10h28
